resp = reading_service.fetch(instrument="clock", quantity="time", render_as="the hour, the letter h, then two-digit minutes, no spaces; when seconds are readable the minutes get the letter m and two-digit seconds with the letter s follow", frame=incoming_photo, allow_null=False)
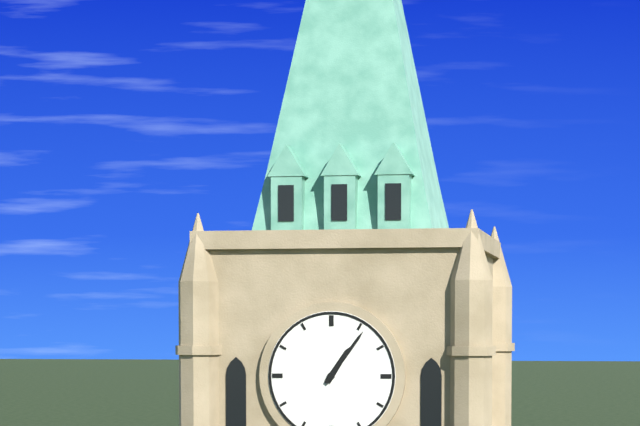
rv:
1h06
